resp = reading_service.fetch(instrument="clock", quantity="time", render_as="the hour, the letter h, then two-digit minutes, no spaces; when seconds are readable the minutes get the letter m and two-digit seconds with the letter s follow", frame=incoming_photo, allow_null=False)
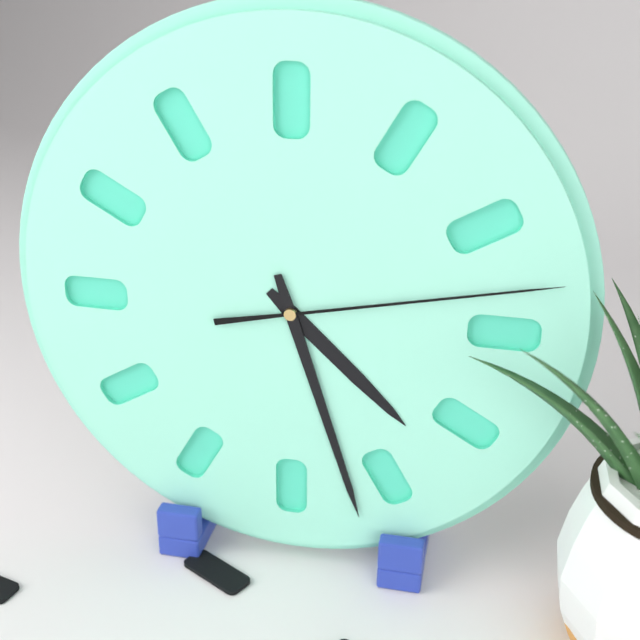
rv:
4h27m13s
